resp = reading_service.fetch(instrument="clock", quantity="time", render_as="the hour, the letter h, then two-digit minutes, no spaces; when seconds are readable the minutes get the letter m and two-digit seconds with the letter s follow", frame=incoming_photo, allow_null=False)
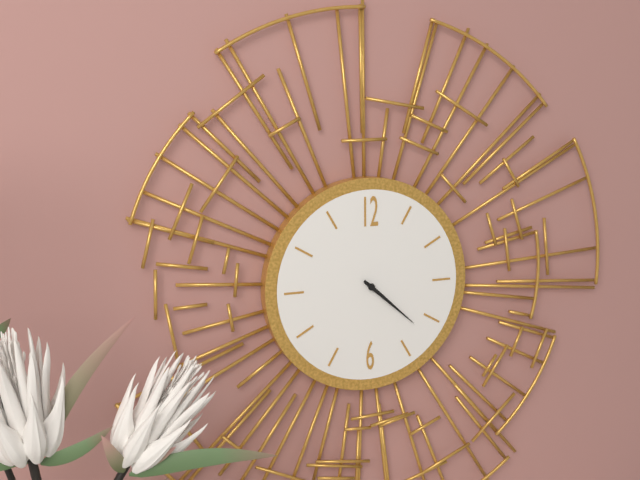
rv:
4h22
